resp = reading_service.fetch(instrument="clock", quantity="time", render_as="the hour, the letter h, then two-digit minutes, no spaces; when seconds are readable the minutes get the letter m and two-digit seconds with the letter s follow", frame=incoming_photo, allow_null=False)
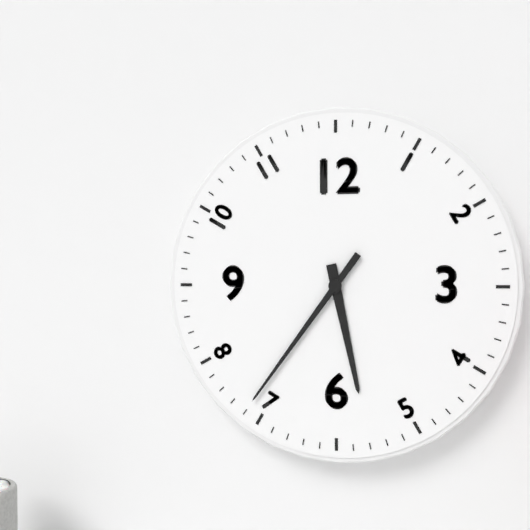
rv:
5h36
